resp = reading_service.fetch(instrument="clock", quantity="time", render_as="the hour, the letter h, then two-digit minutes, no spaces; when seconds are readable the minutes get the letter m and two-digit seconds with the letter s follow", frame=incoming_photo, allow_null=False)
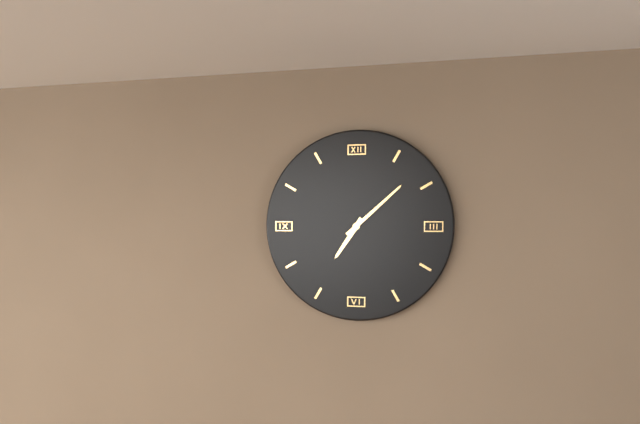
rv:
7h08
